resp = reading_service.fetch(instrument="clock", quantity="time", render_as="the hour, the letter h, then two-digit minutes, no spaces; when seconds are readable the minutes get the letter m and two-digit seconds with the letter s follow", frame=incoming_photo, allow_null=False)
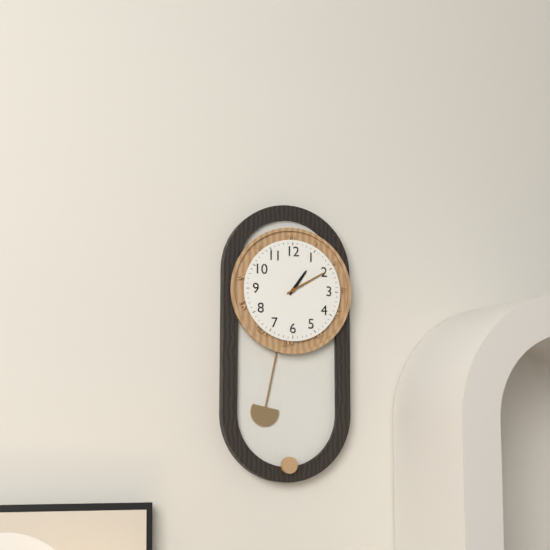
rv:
1h10
